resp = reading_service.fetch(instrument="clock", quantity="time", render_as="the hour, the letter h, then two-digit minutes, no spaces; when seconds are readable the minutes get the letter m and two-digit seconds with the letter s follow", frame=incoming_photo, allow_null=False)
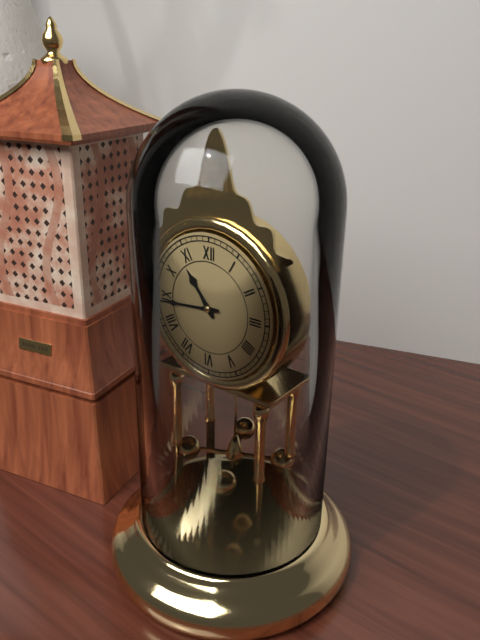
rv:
10h44
